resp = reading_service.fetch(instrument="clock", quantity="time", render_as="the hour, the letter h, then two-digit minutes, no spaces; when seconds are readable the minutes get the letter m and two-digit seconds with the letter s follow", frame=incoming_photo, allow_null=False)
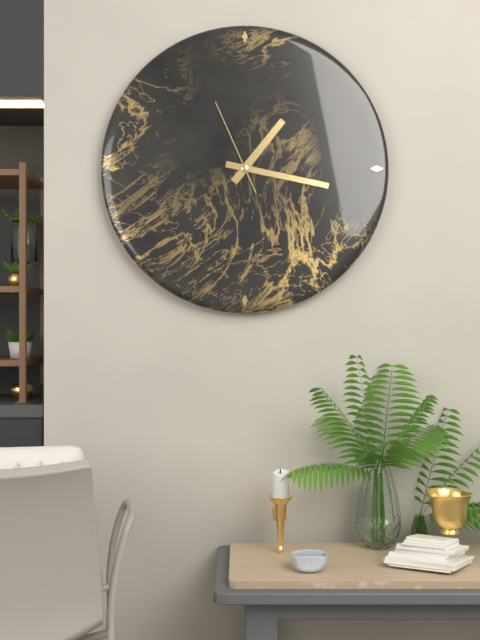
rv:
1h17m56s
